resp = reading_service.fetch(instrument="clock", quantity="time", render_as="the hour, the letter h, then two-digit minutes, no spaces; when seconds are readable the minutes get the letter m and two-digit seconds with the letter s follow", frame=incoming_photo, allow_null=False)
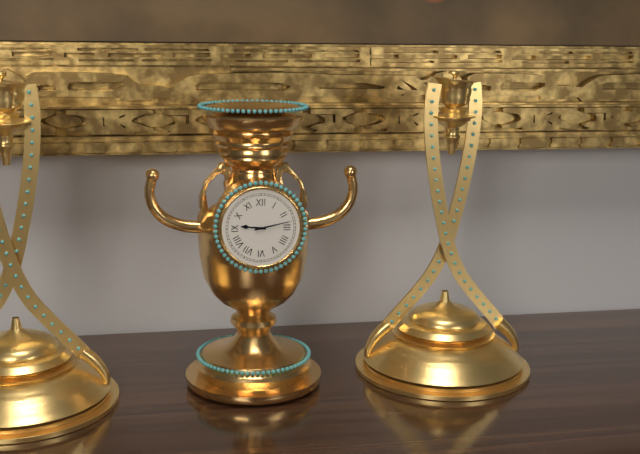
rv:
9h13
